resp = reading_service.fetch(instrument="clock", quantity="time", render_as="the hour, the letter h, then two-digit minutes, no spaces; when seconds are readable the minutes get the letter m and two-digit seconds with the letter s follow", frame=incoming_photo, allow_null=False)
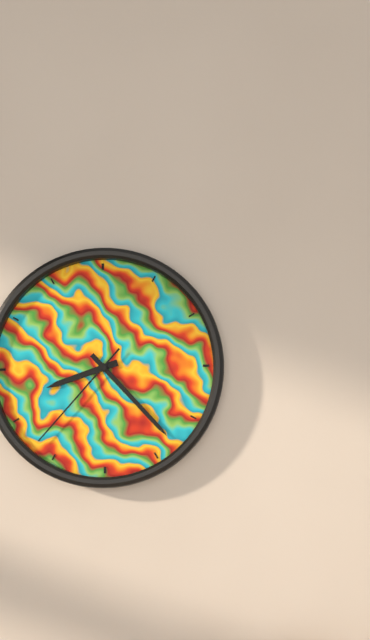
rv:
8h23m37s
